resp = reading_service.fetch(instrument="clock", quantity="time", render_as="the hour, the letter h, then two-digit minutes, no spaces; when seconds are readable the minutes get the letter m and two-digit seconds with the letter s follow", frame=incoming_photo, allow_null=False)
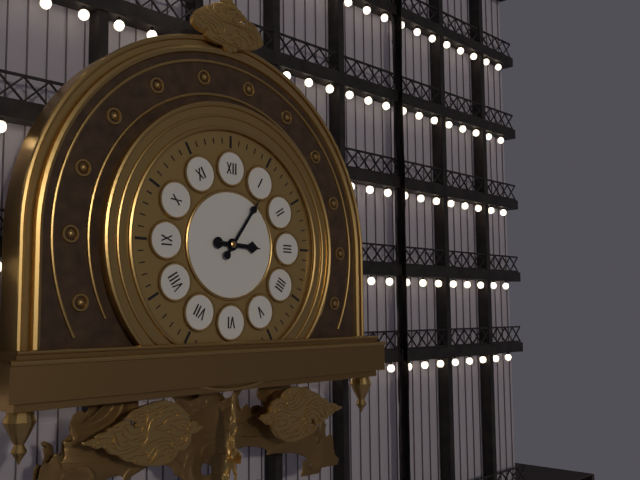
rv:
3h06
